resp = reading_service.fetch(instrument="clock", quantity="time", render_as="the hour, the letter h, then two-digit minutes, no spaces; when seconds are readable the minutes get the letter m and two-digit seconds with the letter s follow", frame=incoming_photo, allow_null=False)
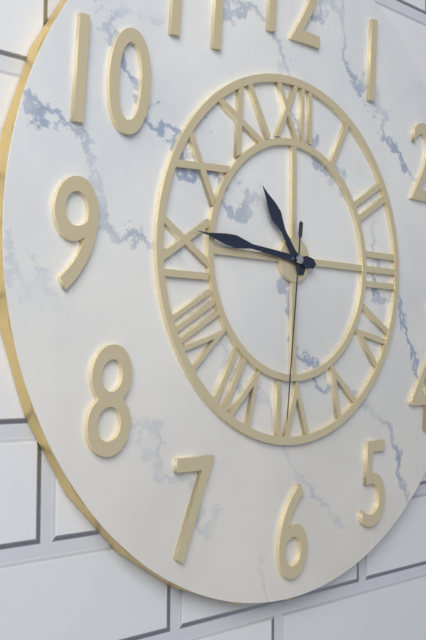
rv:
10h46m31s
